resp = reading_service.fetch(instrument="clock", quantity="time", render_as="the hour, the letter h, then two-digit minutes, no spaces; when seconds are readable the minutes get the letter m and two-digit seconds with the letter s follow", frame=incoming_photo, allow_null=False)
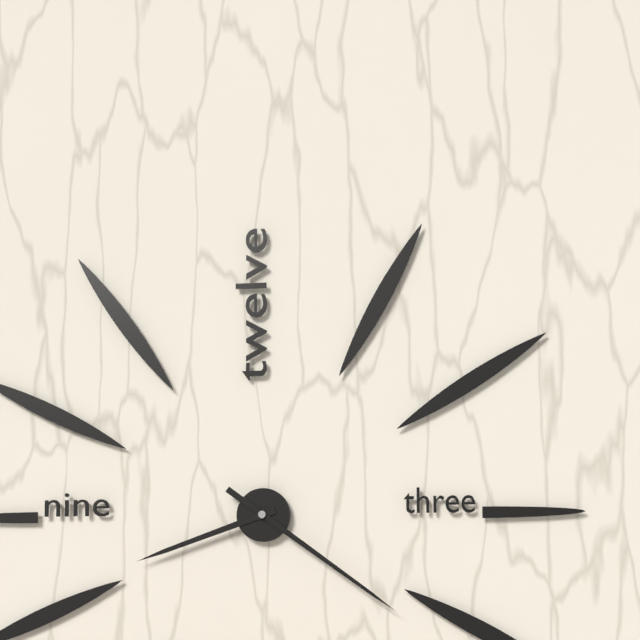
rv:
8h21
